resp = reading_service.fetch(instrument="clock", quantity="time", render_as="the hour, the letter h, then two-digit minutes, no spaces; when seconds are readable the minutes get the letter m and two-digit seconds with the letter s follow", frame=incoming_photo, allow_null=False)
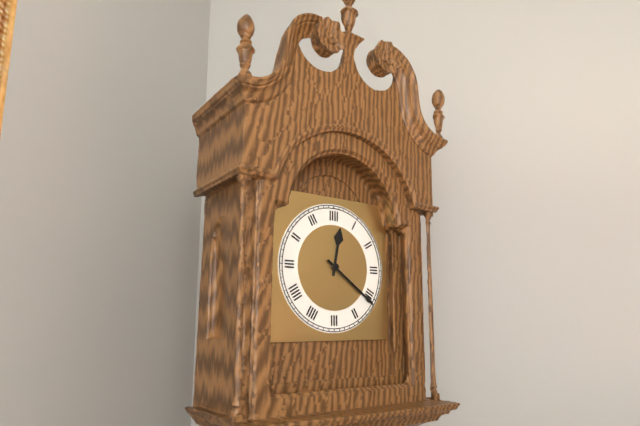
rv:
12h21
